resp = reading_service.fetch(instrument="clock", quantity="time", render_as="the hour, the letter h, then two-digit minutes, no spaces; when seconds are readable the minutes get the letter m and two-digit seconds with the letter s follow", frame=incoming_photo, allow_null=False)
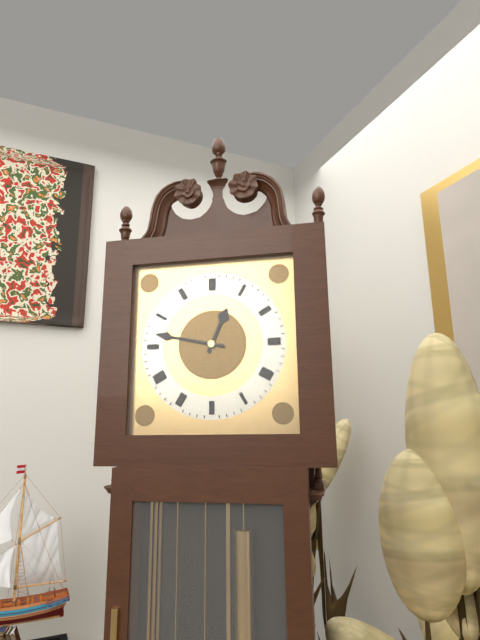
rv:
12h47
